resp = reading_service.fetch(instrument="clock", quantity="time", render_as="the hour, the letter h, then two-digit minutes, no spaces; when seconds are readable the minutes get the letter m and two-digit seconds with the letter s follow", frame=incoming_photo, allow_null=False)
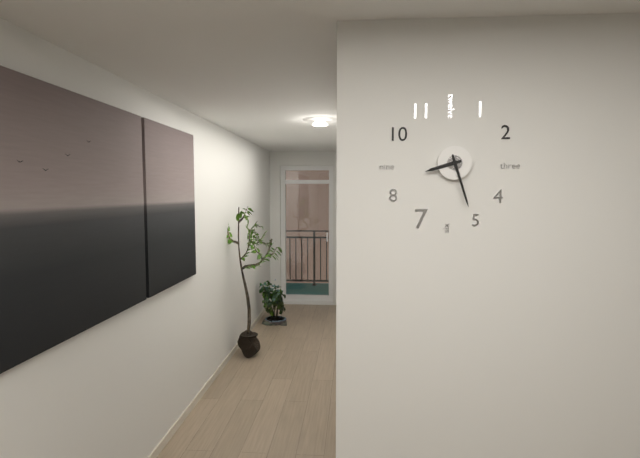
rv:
8h27
